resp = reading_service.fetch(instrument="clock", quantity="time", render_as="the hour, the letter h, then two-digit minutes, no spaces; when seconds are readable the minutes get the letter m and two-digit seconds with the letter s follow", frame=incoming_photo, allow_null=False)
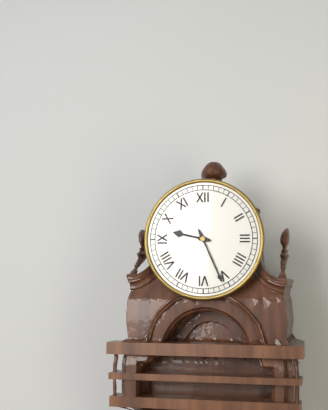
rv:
9h26
